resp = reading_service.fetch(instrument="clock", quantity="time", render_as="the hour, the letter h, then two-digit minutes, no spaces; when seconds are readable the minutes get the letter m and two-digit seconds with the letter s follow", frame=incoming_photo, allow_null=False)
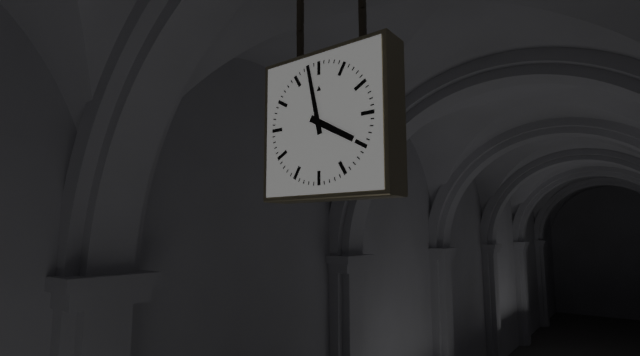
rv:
3h58
